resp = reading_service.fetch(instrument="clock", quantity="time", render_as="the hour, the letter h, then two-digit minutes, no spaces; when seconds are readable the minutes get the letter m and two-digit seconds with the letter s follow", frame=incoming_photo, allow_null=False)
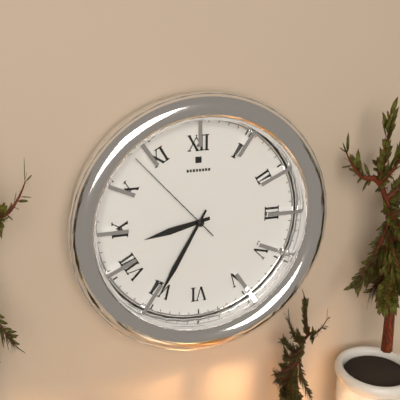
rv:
8h35m53s
